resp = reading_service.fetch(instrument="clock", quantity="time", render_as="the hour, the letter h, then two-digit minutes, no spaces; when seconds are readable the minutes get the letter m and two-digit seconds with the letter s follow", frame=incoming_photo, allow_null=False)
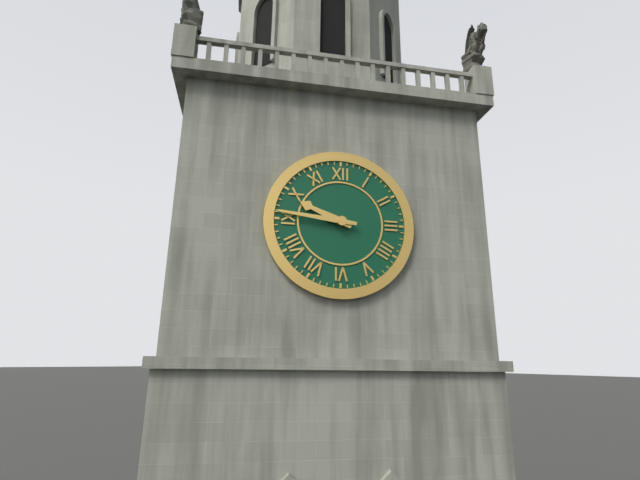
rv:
9h46
